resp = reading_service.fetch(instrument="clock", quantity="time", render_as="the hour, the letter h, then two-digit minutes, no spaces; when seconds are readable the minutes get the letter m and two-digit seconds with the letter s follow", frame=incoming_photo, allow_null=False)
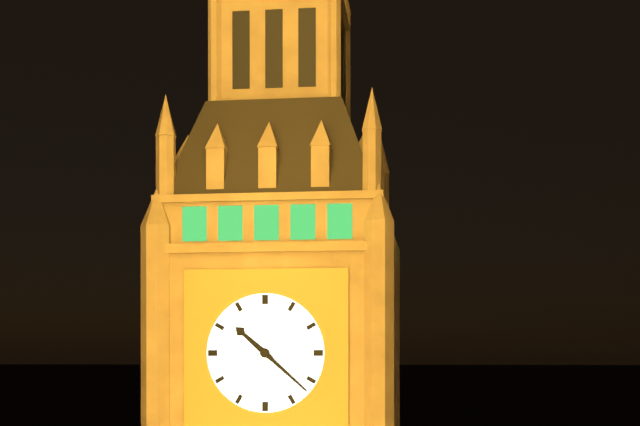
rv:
10h22
